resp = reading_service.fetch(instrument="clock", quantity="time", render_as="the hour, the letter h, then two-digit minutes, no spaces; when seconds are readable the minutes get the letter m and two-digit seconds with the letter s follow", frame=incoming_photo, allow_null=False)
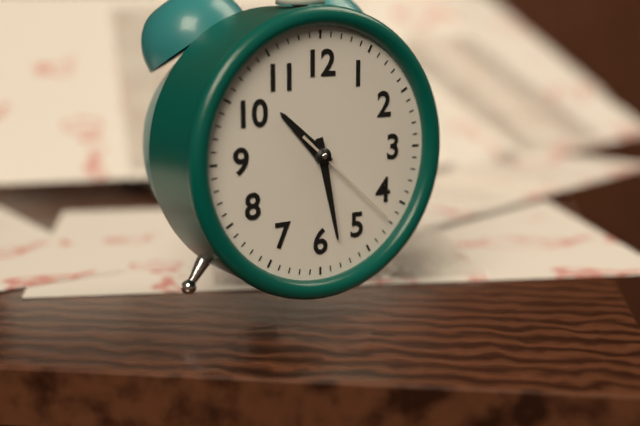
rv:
10h28m22s
